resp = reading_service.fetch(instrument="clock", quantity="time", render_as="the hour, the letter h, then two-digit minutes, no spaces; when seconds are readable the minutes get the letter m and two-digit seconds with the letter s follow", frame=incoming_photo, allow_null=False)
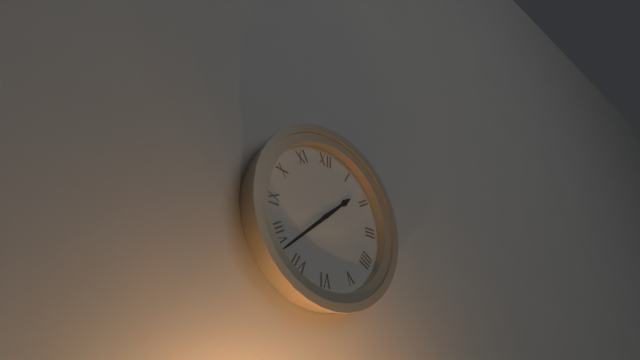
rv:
1h38
